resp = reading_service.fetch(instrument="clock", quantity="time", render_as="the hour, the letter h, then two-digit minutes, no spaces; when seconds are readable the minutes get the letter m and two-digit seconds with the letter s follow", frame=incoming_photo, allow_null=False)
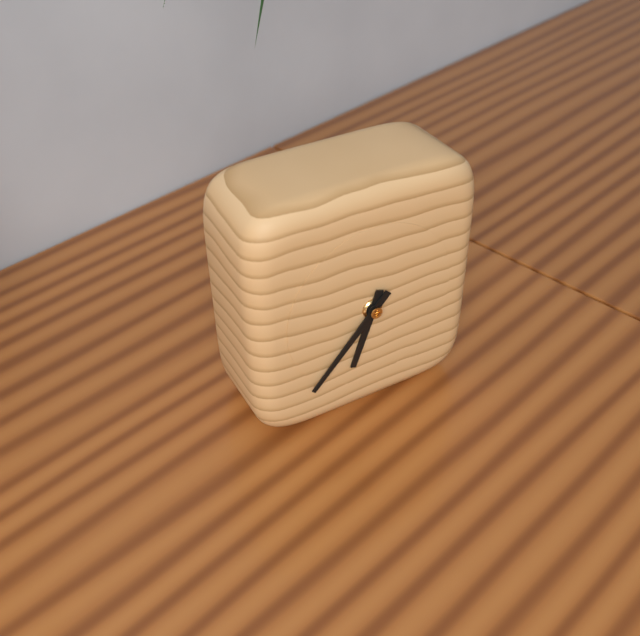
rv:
6h37
